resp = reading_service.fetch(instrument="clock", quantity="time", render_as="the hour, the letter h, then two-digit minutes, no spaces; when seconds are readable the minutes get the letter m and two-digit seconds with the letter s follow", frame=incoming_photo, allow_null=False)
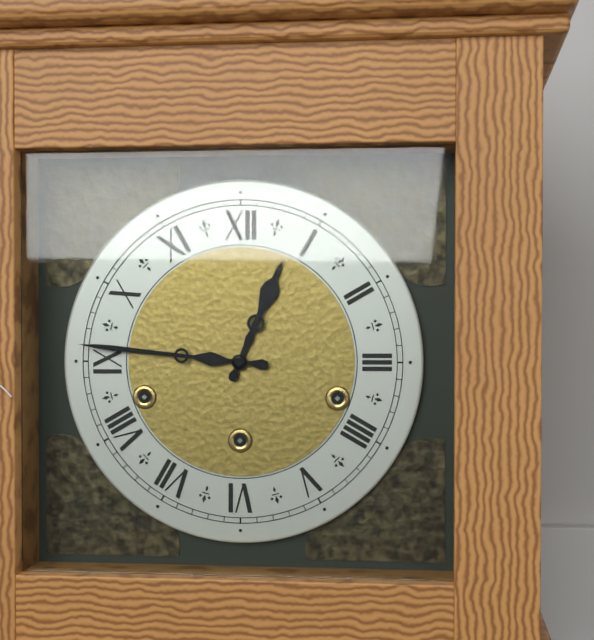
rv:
12h46
